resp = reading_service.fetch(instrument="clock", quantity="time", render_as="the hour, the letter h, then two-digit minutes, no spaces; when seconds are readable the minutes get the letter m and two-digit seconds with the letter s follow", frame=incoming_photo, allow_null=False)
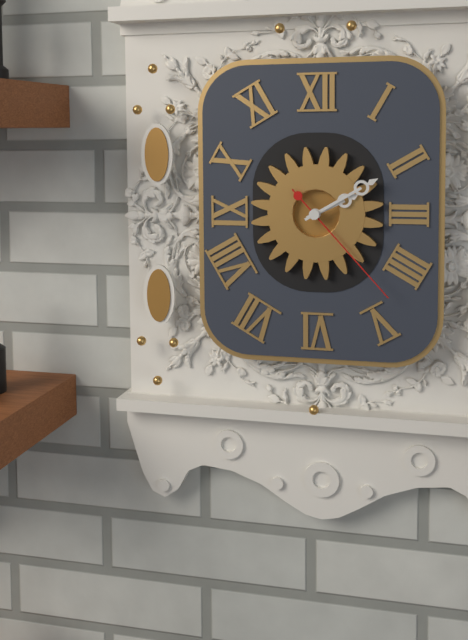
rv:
2h10m23s
